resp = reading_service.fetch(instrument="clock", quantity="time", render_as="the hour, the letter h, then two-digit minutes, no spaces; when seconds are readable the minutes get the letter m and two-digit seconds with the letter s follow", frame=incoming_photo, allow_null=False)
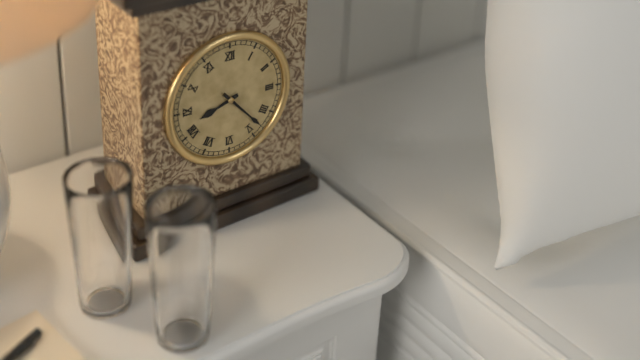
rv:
8h23
